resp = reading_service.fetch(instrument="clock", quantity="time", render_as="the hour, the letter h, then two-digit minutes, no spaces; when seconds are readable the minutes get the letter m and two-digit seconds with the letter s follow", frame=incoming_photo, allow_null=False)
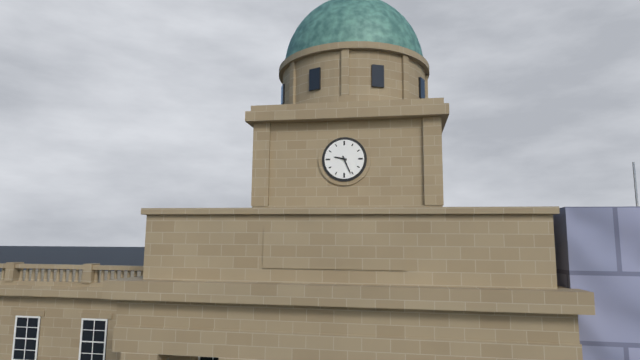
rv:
9h26
